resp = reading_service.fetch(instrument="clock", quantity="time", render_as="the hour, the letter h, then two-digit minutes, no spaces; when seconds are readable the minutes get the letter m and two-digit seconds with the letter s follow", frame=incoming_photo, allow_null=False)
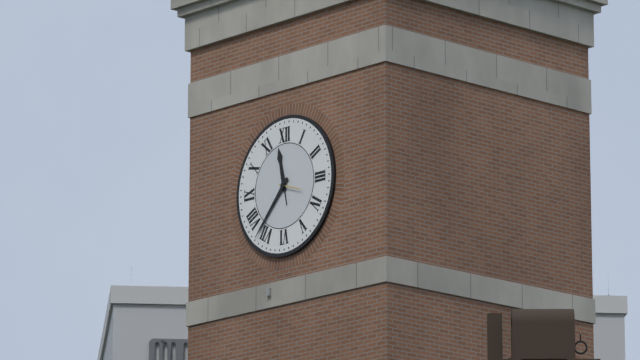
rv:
11h37
